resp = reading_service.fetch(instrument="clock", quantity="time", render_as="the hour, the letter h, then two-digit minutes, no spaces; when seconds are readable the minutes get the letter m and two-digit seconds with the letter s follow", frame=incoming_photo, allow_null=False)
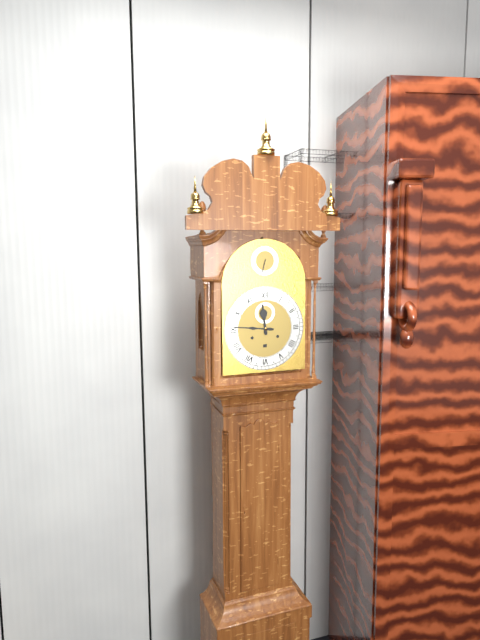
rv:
11h46
